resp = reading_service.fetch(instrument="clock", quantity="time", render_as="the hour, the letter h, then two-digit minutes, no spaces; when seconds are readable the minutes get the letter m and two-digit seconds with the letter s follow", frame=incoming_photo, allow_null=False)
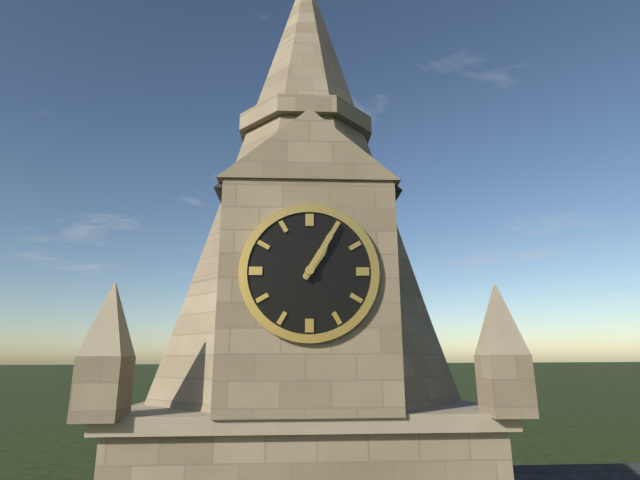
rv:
1h05
